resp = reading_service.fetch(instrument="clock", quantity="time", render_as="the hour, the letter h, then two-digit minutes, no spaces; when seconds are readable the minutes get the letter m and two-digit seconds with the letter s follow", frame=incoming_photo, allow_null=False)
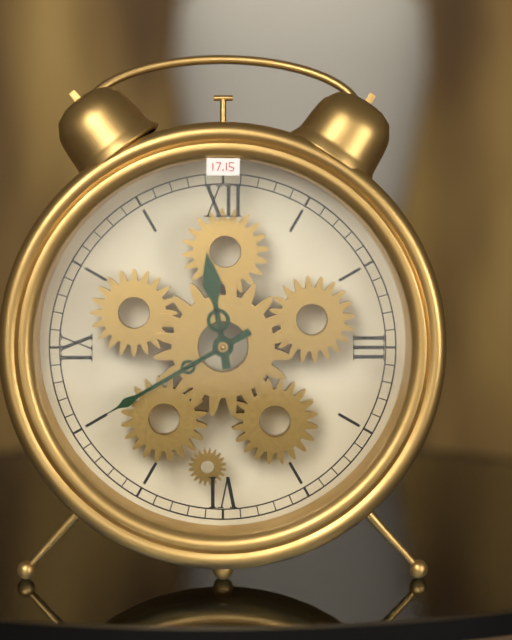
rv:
11h40
